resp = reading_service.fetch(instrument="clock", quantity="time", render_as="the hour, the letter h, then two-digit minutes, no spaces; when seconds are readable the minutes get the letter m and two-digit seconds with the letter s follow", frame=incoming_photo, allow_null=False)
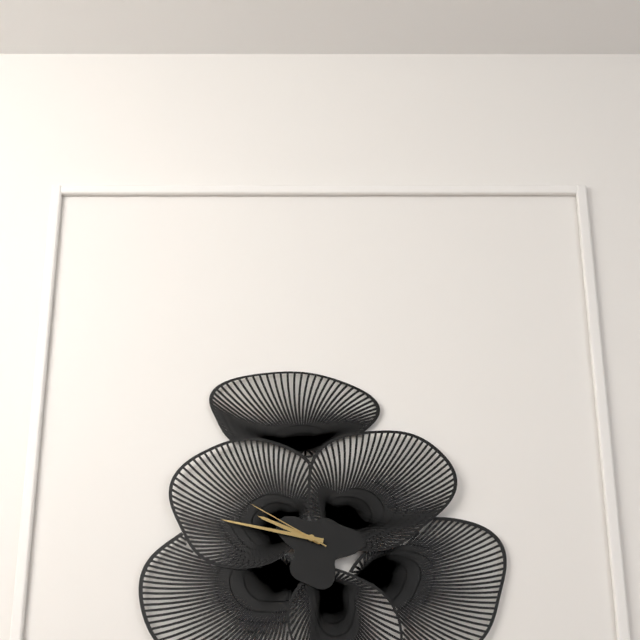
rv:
9h47m50s
